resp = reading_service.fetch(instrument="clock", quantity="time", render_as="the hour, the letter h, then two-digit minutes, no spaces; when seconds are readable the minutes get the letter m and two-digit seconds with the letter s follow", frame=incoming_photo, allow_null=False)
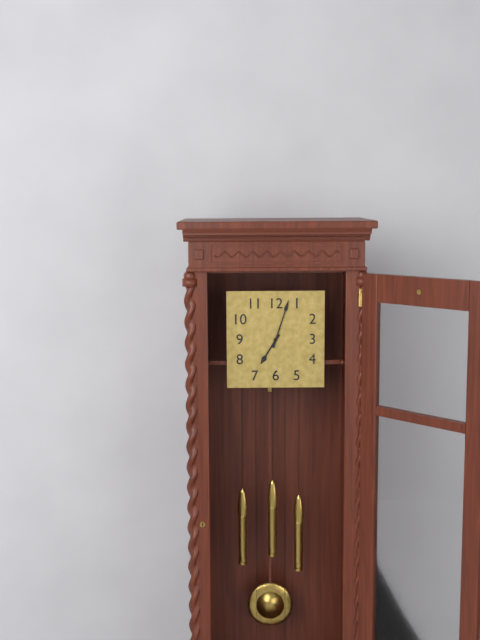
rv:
7h03
